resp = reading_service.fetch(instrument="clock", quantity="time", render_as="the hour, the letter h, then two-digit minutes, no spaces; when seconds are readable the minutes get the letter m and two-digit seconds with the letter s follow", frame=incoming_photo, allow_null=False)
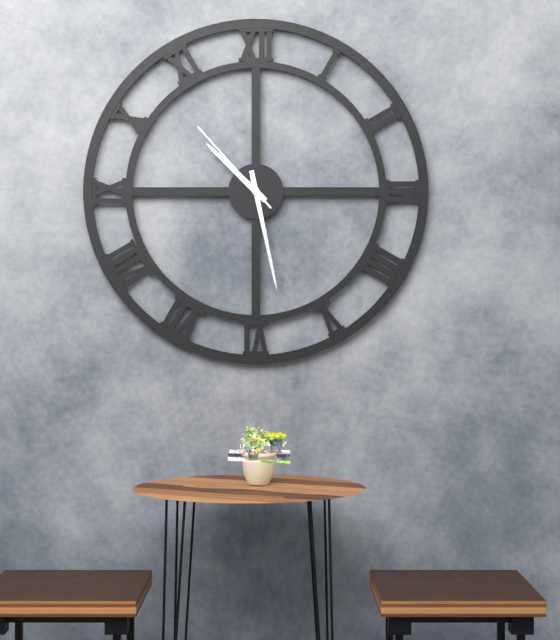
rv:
10h28m53s
